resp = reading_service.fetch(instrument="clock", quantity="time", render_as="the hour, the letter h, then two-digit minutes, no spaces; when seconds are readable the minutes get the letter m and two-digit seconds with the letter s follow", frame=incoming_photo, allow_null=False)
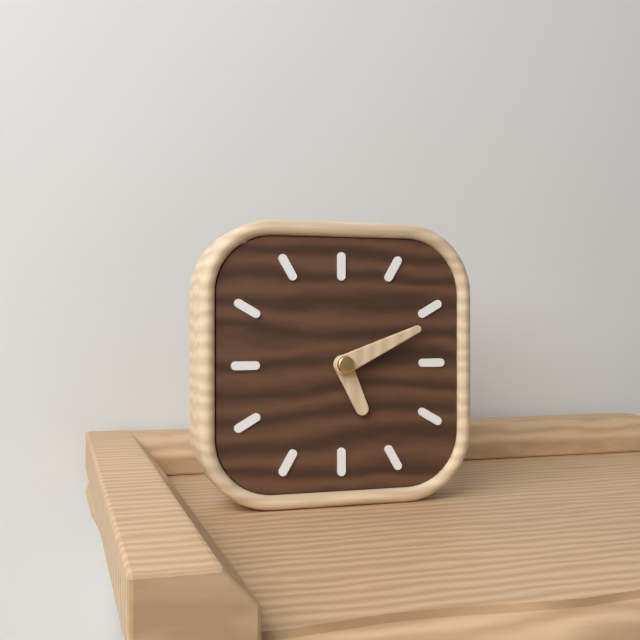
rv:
5h11
